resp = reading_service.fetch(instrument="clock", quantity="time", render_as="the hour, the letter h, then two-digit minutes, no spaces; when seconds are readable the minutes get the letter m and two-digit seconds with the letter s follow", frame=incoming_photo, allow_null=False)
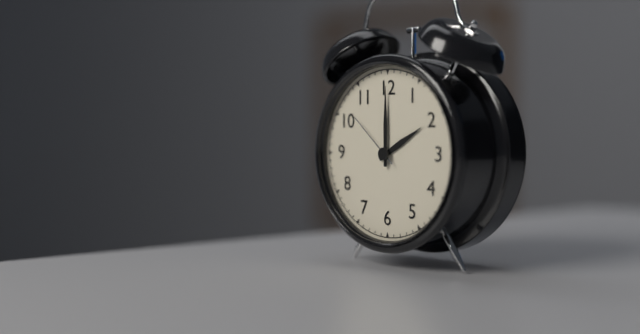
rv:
2h00m52s
